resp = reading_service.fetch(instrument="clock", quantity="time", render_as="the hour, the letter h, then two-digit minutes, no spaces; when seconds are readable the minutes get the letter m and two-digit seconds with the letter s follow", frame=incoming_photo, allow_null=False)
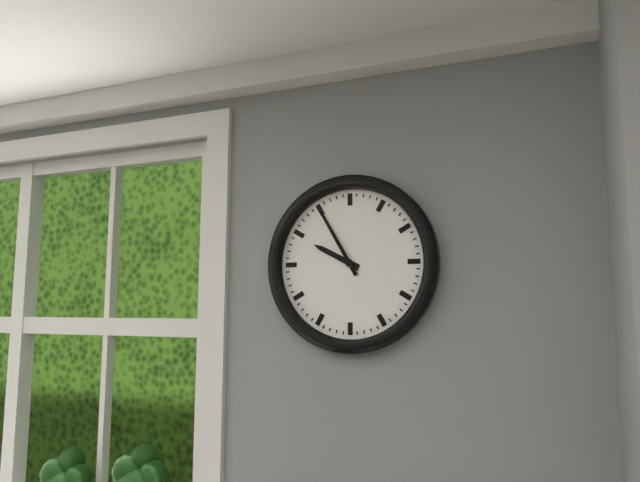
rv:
9h55
